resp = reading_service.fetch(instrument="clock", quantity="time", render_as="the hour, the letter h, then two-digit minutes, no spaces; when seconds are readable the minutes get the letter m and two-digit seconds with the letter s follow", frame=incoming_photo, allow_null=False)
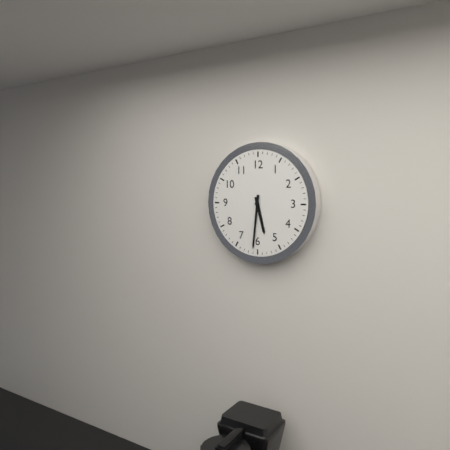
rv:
5h31
